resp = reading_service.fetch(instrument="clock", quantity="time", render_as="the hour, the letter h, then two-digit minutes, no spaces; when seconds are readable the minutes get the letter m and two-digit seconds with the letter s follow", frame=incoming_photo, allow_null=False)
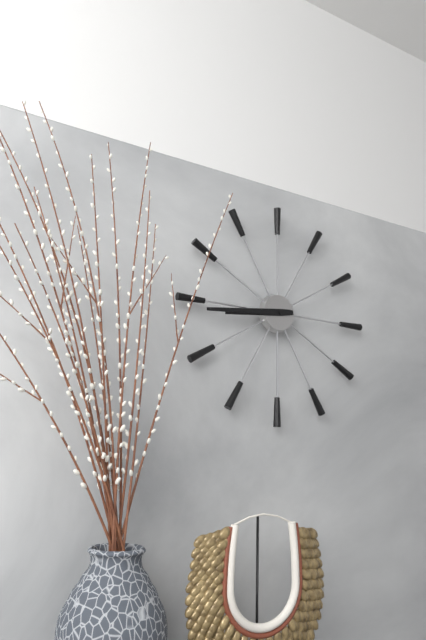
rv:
8h44
